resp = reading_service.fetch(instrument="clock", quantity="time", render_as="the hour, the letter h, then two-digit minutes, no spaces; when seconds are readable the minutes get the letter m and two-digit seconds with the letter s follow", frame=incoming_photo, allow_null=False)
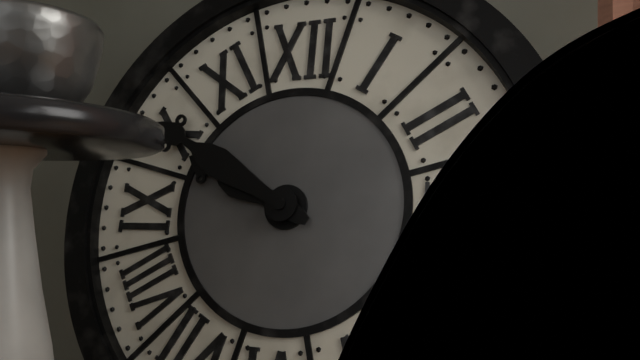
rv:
9h50
